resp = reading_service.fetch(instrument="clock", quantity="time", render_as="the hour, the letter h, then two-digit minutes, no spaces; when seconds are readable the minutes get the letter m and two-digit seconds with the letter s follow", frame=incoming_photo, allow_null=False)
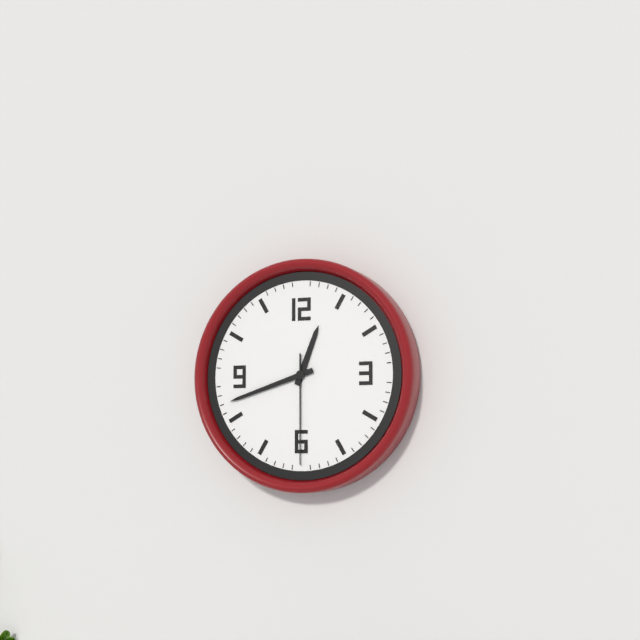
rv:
12h42m30s
